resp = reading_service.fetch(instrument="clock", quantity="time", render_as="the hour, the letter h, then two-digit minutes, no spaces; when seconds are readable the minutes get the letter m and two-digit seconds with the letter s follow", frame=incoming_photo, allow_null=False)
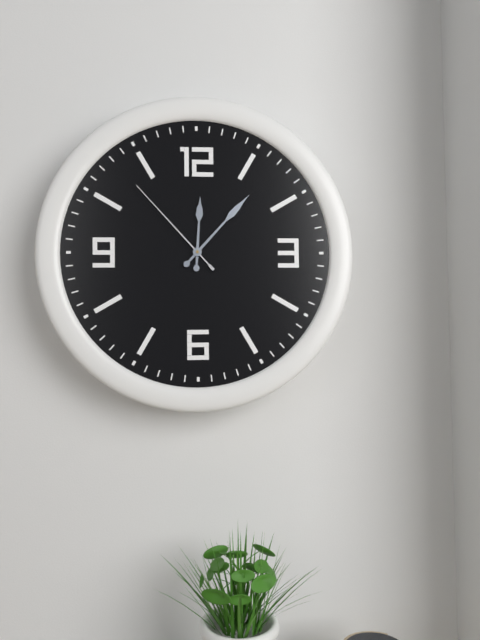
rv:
12h07m53s
